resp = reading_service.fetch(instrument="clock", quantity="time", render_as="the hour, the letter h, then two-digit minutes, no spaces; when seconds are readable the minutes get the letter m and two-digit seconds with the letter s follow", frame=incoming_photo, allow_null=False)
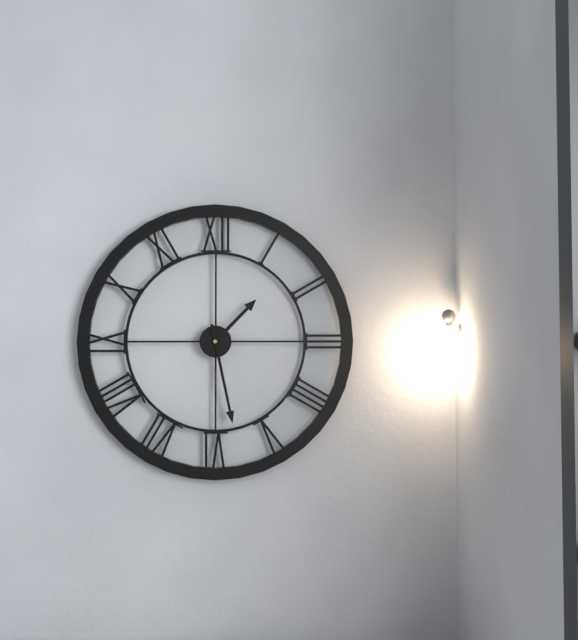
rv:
1h28
